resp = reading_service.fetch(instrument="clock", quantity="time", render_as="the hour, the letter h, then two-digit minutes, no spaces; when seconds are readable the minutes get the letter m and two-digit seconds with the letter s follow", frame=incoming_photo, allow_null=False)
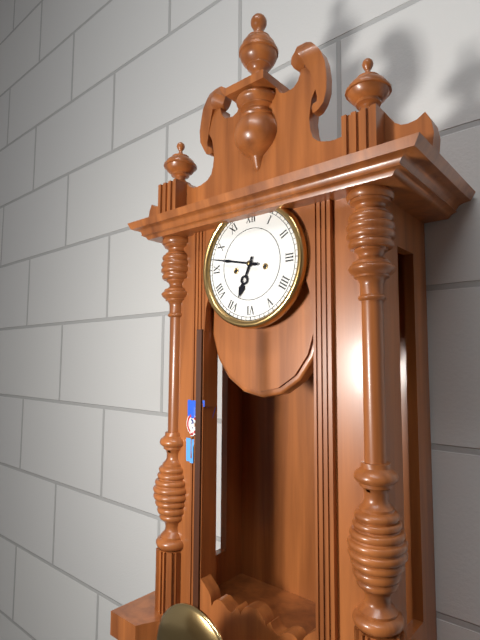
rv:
6h47
